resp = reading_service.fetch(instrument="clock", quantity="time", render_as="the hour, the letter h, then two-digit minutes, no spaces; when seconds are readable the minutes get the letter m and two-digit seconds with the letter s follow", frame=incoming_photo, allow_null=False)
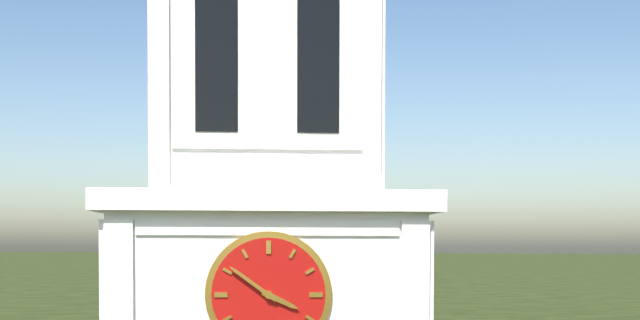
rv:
3h51
